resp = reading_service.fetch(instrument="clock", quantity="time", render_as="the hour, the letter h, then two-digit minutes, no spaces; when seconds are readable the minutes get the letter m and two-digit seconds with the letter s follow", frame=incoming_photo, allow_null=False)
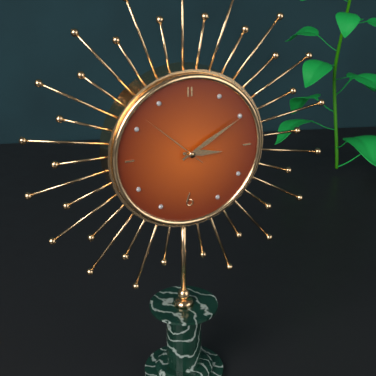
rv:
3h10m52s
